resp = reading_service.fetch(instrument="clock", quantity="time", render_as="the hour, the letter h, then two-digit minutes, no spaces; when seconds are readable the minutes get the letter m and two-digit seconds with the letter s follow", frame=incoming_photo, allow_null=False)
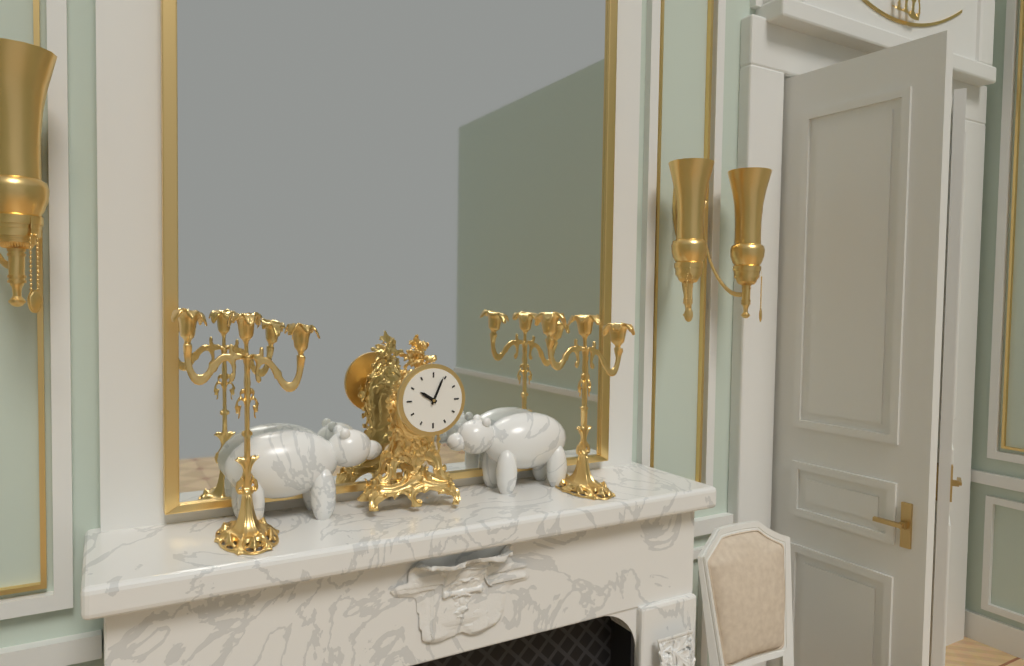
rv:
10h04
